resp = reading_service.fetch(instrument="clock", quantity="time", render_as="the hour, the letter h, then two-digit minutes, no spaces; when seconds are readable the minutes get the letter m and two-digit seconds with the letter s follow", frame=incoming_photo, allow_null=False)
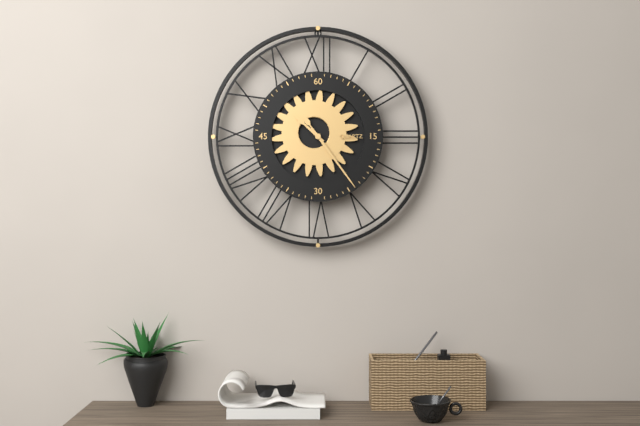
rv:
10h24
